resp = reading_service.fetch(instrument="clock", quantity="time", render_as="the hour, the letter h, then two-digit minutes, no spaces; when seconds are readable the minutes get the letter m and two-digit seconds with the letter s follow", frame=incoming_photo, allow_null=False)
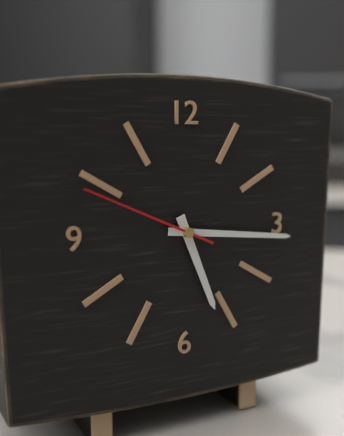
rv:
5h16m49s
